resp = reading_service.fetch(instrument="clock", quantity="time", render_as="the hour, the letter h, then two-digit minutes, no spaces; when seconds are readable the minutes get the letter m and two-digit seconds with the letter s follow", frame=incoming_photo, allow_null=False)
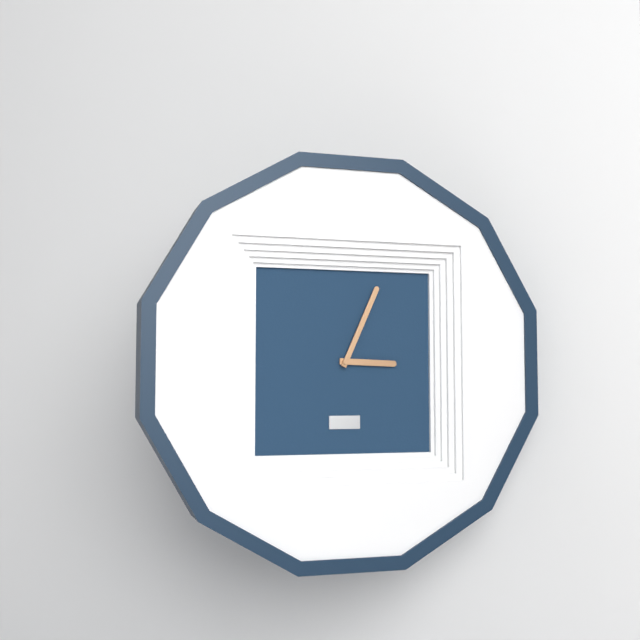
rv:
3h04
